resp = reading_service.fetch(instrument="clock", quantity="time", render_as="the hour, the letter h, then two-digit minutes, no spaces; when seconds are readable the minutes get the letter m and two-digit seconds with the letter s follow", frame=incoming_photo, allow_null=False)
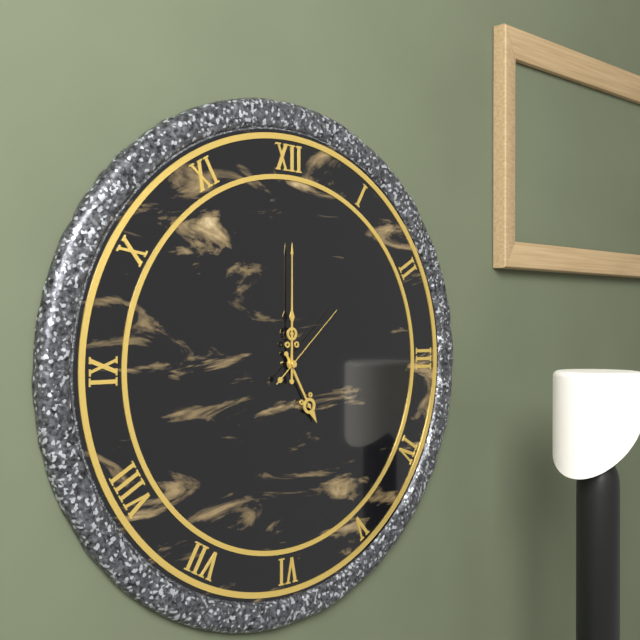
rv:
5h00m08s
